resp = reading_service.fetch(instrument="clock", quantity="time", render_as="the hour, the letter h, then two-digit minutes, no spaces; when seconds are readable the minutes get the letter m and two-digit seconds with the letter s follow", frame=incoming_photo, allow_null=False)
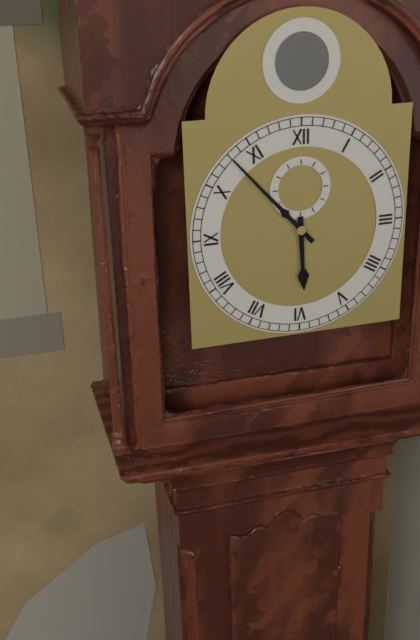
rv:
5h53
